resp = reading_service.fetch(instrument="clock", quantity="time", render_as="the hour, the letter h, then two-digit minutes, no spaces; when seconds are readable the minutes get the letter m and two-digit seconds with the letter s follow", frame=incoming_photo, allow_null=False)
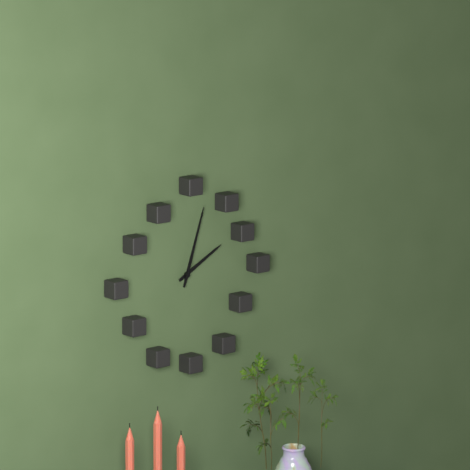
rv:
2h03
